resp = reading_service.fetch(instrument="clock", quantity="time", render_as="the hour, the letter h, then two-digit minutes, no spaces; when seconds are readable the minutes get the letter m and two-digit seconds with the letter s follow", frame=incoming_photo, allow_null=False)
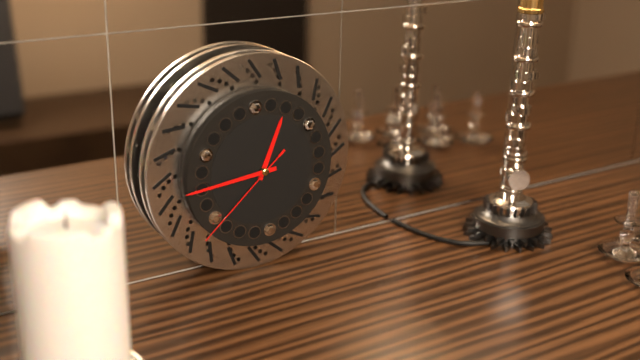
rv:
12h44m38s
